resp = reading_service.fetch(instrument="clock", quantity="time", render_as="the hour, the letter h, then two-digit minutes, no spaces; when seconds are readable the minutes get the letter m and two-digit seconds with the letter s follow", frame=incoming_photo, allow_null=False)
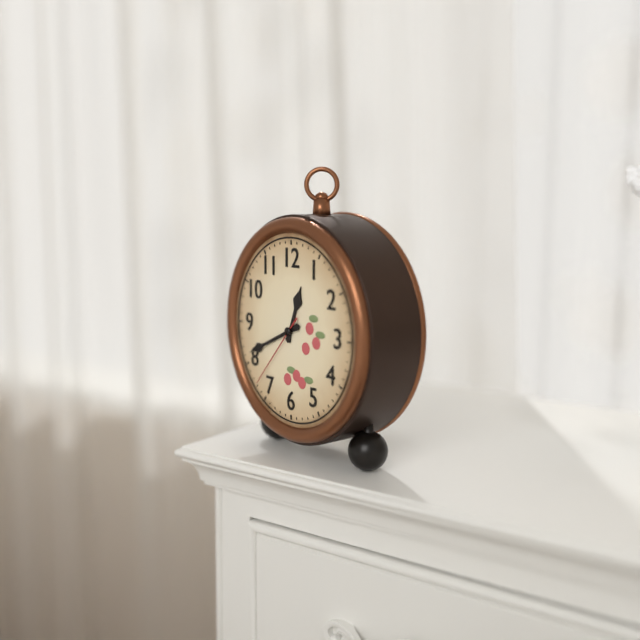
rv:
12h41m37s
